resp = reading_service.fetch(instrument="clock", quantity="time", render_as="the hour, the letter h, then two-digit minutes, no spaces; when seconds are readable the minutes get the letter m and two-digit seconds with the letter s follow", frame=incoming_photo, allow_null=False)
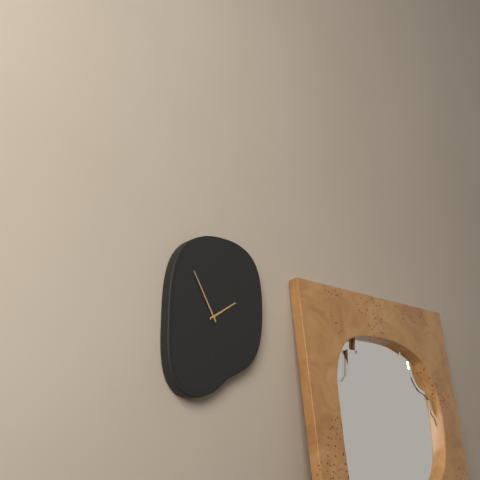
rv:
1h55
